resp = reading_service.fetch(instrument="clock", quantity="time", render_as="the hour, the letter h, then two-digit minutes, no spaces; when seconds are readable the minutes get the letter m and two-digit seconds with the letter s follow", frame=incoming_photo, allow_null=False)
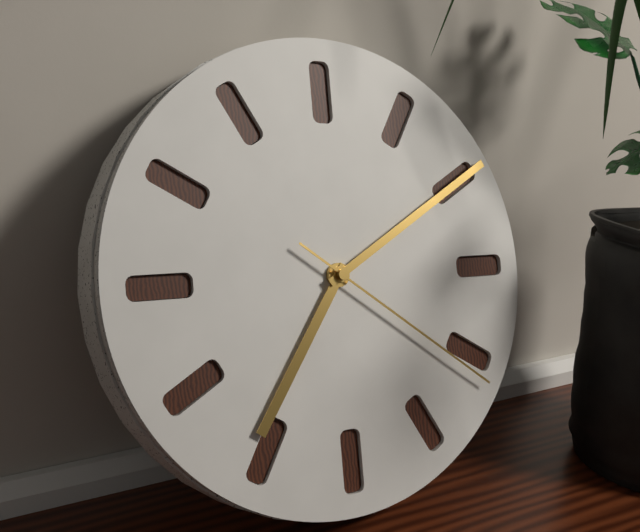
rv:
7h10m21s
